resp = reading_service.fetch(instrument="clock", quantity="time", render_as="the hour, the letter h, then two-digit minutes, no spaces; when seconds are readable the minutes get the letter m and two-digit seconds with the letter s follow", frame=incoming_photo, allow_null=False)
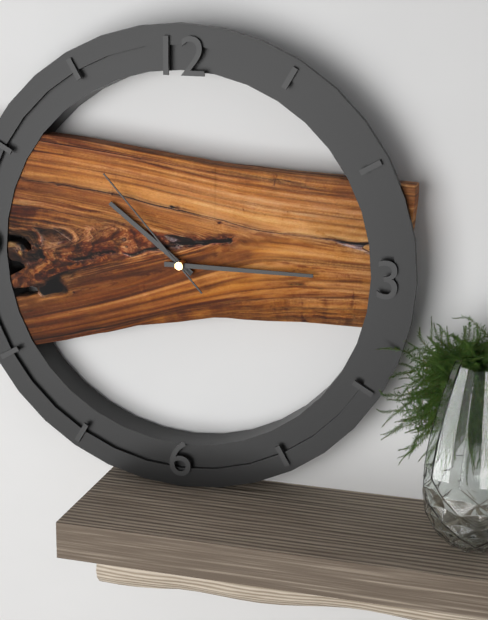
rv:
10h15m53s
